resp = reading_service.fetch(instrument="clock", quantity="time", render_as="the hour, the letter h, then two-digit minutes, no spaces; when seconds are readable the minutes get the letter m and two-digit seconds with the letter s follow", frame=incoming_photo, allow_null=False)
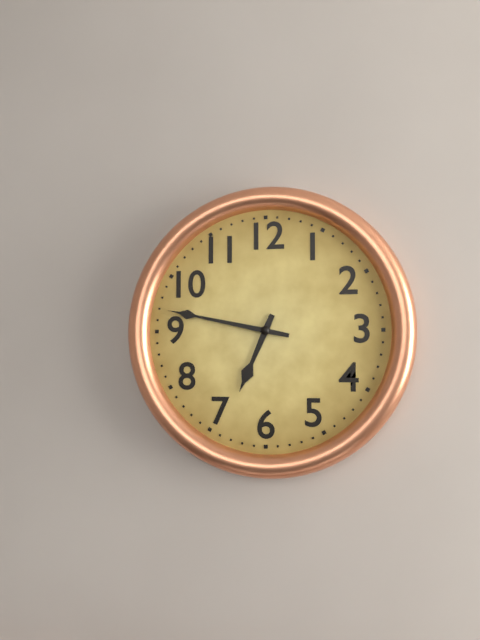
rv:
6h47
